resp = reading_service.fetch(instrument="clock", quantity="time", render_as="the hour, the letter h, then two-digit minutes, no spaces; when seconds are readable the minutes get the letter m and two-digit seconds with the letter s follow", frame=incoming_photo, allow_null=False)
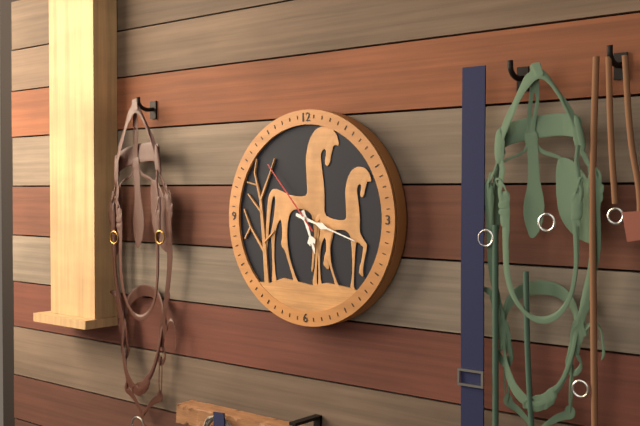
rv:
5h18m53s
